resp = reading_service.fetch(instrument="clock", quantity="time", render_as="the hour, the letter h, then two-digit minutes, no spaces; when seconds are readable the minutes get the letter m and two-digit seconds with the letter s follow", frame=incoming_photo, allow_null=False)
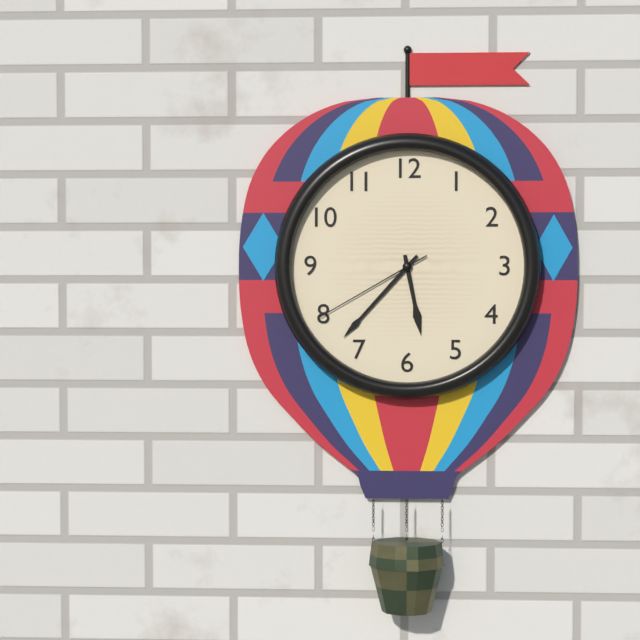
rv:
5h37m40s
